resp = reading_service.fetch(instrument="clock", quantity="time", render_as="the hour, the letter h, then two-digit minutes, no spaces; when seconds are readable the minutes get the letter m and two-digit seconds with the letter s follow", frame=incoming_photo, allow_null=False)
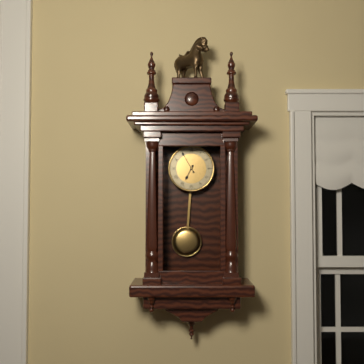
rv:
6h55
